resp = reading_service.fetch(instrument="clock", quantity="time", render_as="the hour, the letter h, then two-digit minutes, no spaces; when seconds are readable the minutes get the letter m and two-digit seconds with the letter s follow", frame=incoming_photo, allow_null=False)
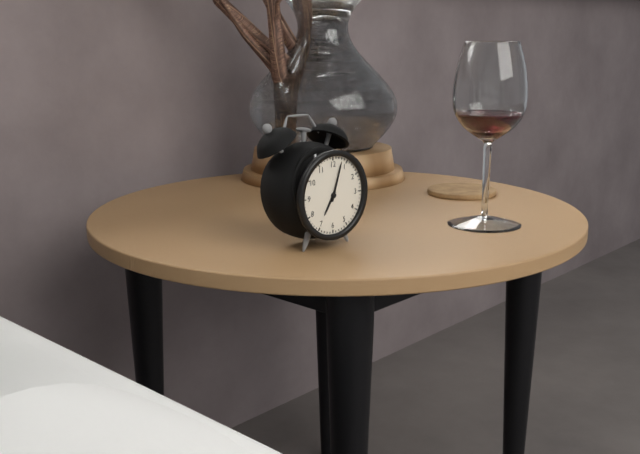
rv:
7h03
